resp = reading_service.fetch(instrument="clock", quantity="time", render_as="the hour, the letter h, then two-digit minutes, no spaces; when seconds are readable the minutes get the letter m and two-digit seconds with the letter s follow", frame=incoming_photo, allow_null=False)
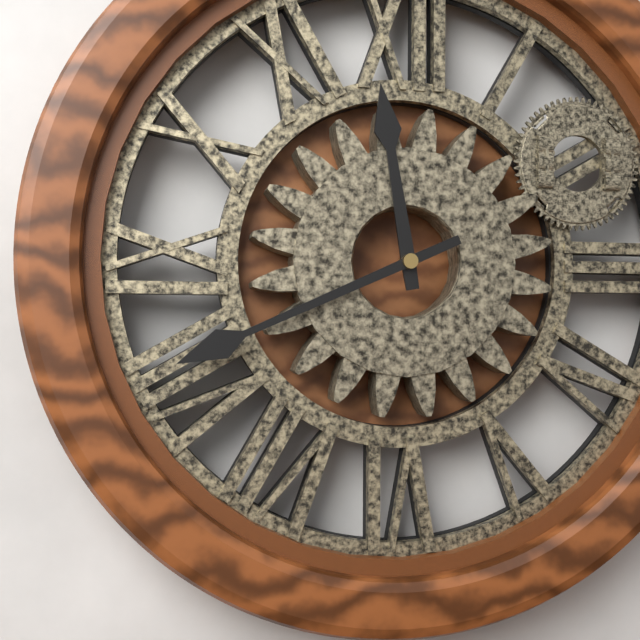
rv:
11h41
